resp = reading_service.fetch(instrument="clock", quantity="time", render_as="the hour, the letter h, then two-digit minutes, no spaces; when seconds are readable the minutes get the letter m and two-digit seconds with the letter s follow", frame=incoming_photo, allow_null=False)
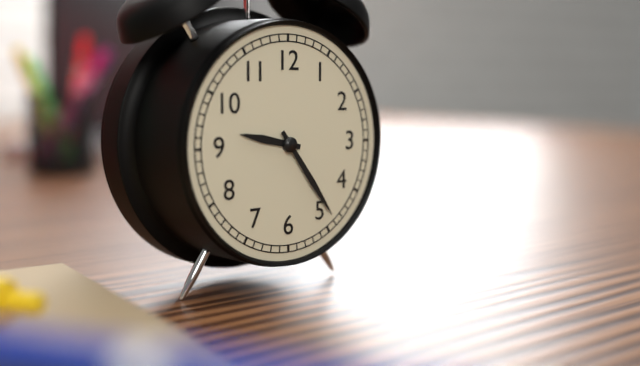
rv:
9h24
